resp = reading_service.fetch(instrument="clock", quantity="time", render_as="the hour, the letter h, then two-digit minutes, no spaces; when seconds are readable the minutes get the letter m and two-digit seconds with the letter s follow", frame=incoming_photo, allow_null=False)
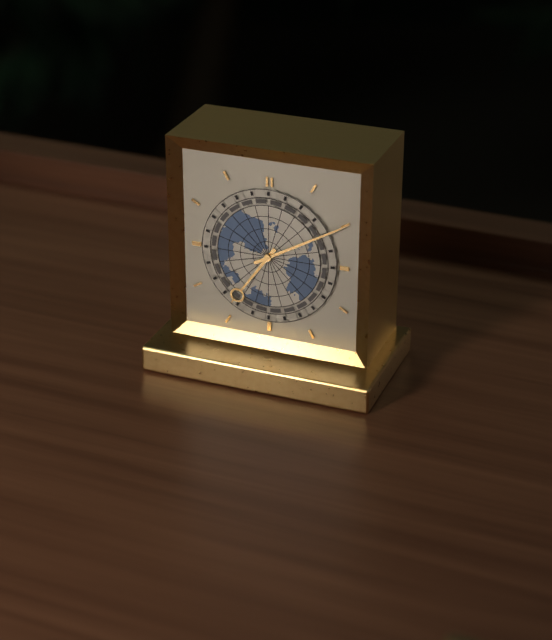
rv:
7h10
